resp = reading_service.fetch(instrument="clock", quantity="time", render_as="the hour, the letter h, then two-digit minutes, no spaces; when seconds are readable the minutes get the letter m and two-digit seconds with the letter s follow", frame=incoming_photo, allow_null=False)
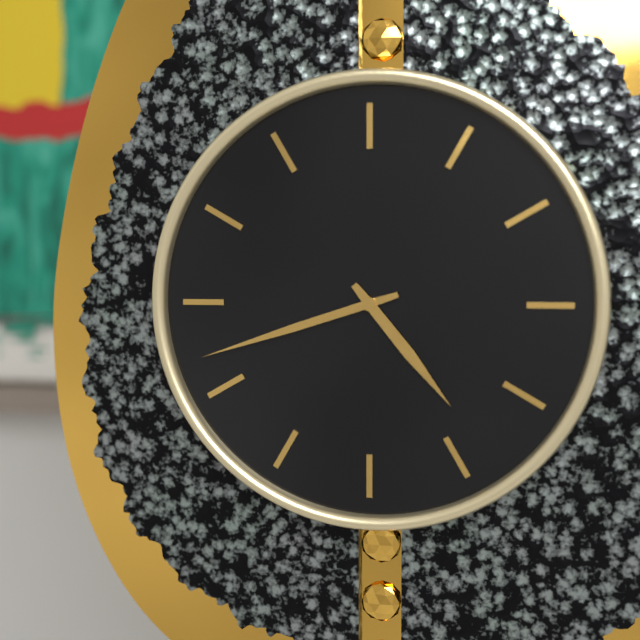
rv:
4h42
